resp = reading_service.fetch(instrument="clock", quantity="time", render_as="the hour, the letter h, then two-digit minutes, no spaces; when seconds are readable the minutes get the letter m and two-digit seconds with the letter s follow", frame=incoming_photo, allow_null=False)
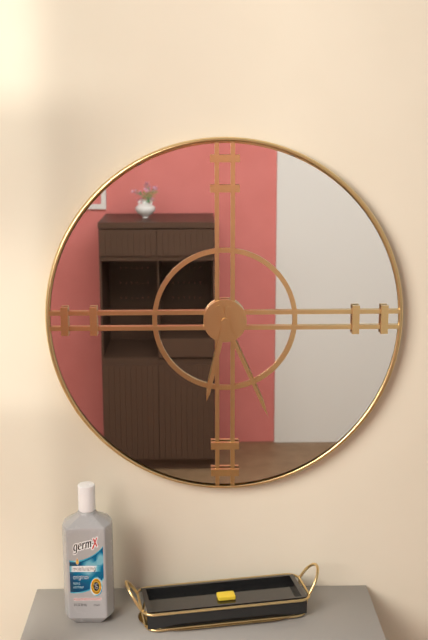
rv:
6h26
